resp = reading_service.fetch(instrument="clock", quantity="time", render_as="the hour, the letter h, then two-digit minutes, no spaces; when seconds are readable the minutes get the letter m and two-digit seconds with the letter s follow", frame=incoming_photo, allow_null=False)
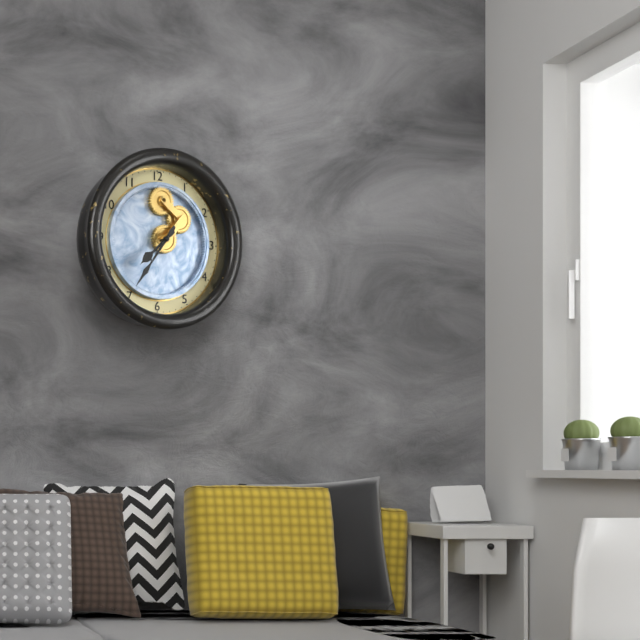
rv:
7h36
